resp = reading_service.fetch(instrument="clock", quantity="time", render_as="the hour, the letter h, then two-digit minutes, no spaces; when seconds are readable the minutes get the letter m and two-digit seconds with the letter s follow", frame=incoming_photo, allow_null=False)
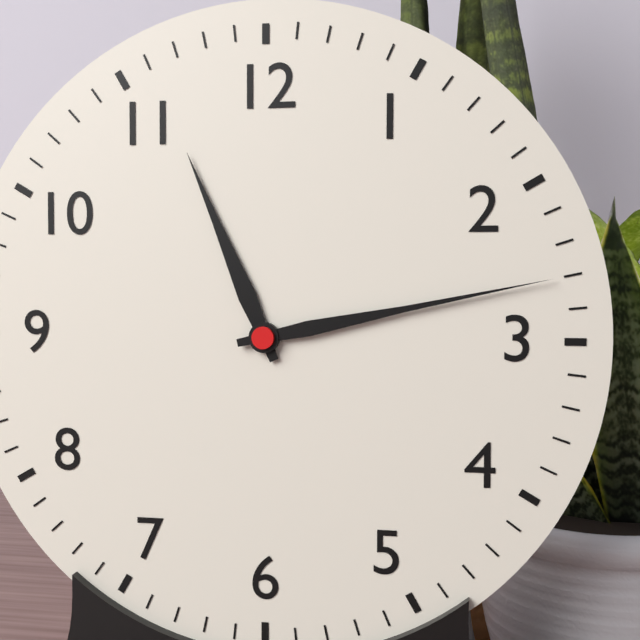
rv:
11h13
